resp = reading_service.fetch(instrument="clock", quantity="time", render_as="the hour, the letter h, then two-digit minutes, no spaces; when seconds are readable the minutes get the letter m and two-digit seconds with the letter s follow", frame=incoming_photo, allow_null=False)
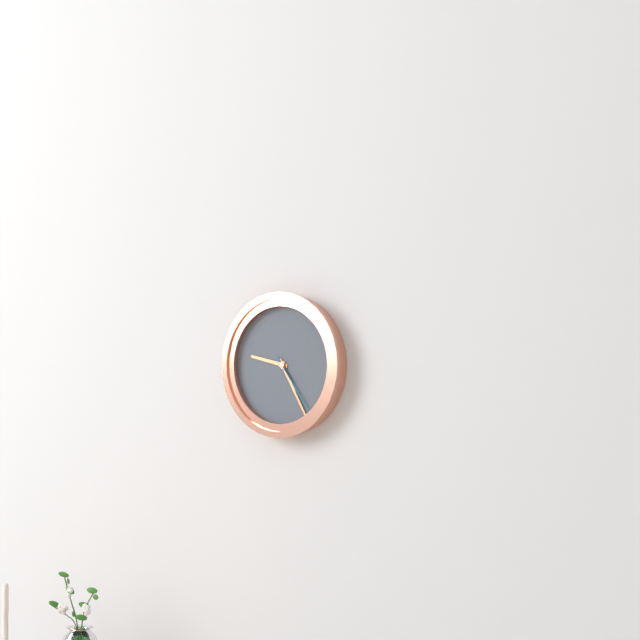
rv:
9h25m24s
